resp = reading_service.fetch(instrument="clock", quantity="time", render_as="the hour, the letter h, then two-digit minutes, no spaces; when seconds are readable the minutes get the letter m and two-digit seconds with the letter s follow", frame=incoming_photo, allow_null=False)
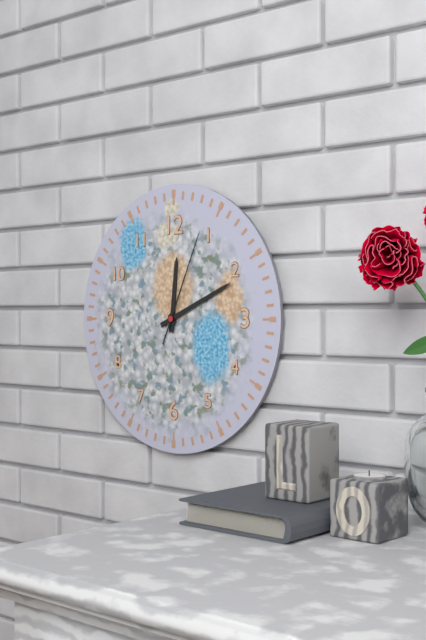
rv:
12h11m04s
